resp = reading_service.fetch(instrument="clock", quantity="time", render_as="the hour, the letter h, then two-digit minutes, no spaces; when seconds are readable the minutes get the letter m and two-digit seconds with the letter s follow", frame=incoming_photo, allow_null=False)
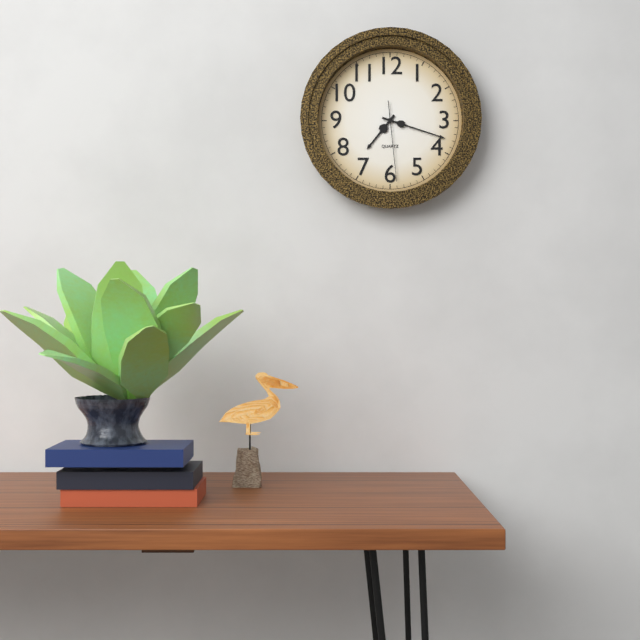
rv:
7h18m29s
